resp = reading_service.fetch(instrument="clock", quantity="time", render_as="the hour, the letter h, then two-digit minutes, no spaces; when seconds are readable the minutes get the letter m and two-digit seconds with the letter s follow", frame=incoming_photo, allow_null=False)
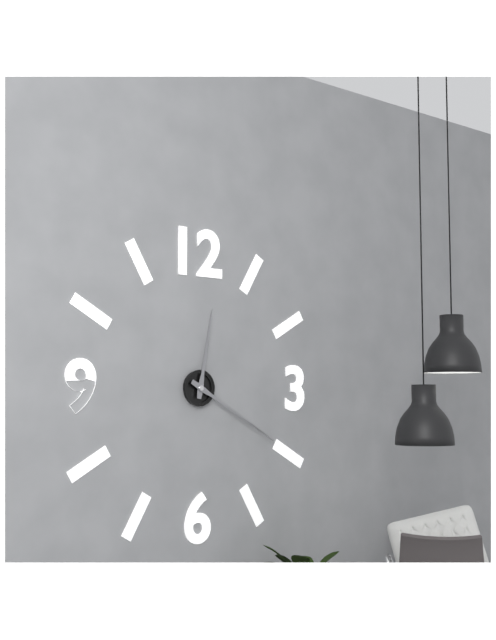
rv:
12h20
